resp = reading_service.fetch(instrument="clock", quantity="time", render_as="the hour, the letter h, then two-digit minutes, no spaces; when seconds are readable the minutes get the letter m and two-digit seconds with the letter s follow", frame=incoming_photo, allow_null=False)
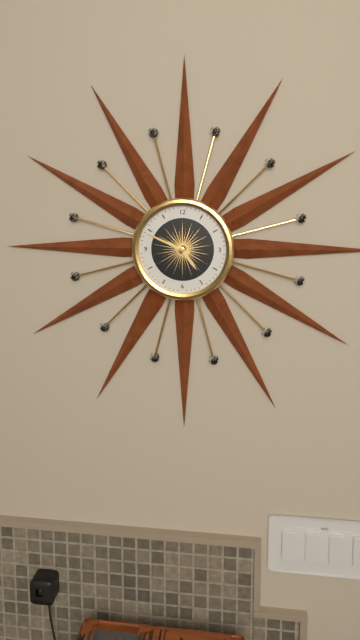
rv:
4h49
